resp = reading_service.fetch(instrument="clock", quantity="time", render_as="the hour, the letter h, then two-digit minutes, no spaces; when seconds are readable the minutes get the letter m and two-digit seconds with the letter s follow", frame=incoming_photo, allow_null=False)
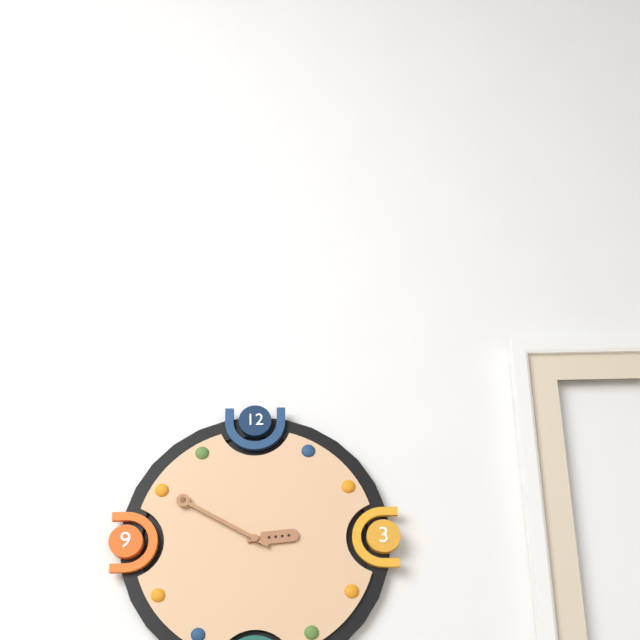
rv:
2h50
